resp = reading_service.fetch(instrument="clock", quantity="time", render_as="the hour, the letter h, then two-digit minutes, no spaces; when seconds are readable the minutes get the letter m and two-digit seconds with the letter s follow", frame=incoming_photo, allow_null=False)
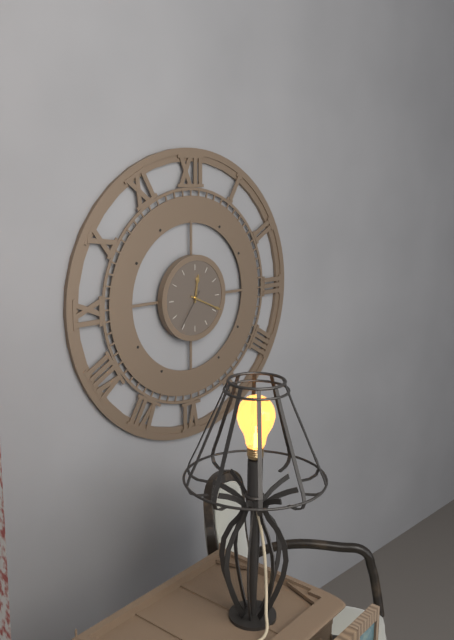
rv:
12h19
